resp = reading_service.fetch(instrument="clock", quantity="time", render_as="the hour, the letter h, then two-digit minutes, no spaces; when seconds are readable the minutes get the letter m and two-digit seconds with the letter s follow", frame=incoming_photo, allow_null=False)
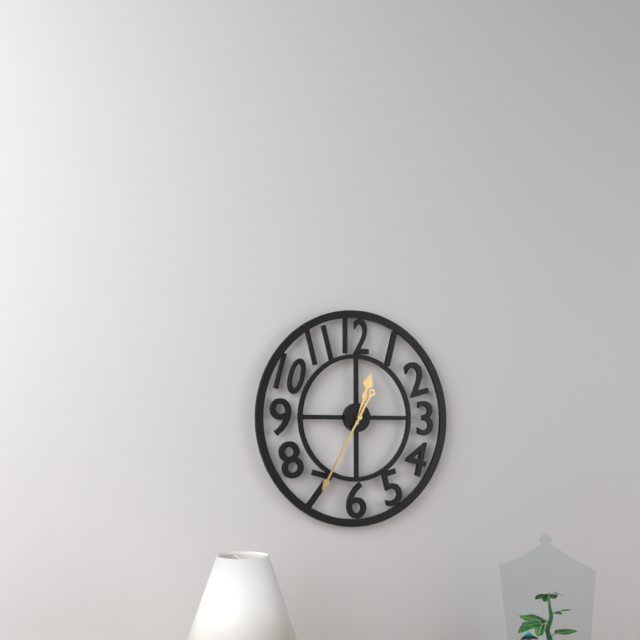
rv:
12h35
